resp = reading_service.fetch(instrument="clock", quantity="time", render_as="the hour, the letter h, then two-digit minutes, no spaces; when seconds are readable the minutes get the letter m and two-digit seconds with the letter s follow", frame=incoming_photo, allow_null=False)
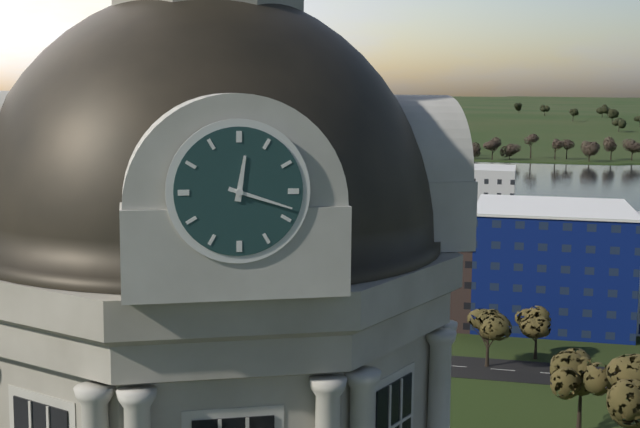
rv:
12h18
